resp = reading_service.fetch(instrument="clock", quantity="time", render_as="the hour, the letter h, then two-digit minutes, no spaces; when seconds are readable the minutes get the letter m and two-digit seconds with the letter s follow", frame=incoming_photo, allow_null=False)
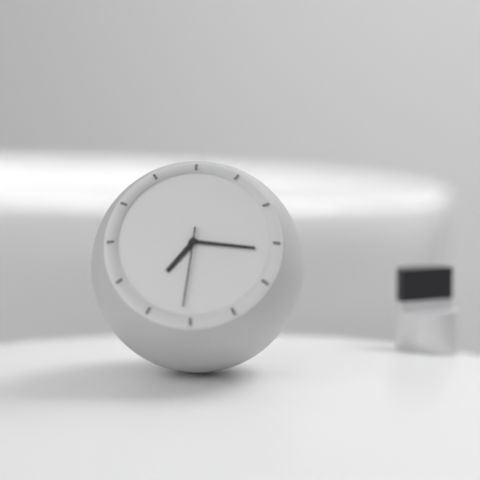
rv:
7h16m31s
